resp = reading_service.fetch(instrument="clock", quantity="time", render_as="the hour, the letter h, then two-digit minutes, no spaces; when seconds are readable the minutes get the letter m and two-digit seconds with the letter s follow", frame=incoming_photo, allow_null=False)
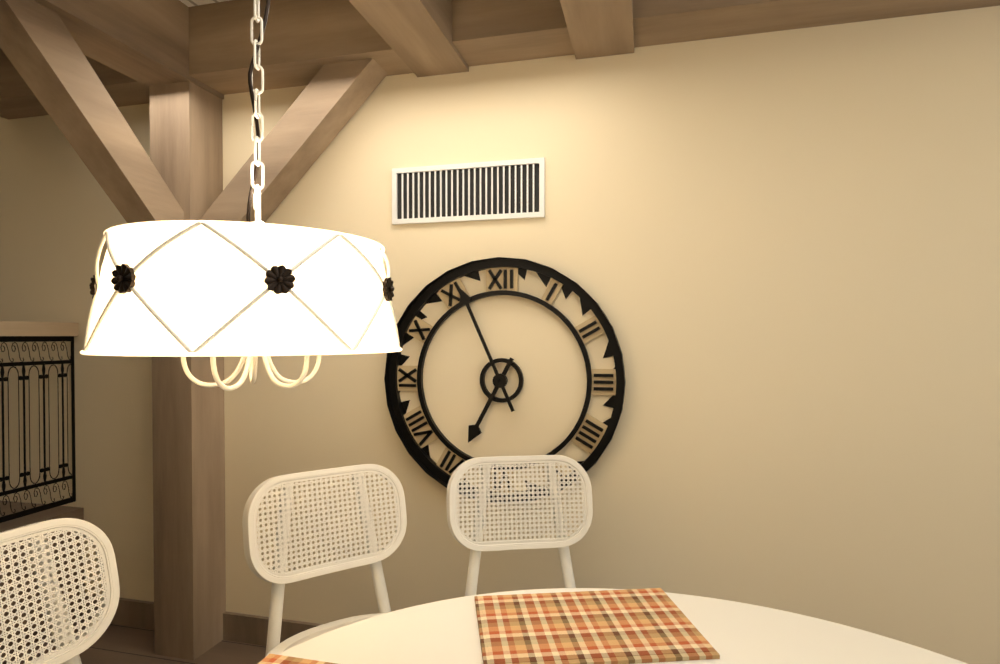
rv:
6h56
